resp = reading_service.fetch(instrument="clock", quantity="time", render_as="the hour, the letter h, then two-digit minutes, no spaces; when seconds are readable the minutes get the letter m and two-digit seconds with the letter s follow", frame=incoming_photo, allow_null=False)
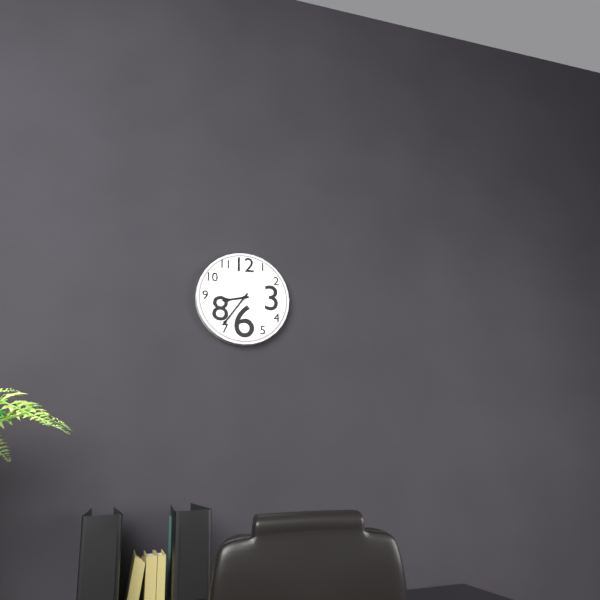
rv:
8h36
